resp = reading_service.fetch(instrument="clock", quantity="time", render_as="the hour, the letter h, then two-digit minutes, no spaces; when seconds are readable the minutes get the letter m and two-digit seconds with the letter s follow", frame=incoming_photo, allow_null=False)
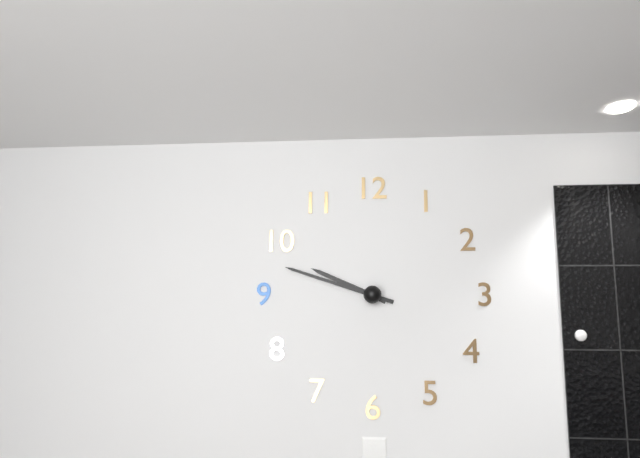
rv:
9h48
